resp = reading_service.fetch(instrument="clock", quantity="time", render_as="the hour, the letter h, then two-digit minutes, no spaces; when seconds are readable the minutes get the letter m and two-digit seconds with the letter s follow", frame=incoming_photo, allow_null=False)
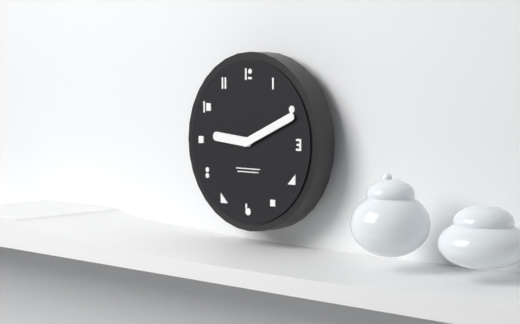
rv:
9h11
